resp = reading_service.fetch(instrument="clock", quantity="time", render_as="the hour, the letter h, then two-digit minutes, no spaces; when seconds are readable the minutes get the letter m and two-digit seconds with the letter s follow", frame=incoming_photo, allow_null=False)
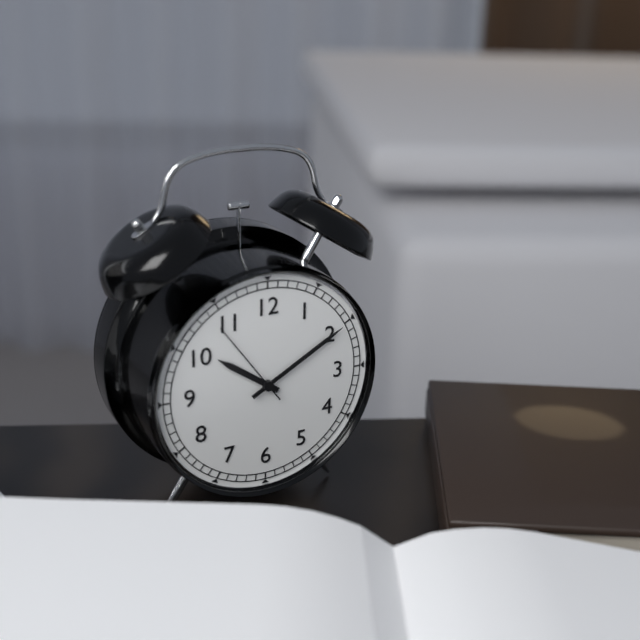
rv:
10h10m54s
